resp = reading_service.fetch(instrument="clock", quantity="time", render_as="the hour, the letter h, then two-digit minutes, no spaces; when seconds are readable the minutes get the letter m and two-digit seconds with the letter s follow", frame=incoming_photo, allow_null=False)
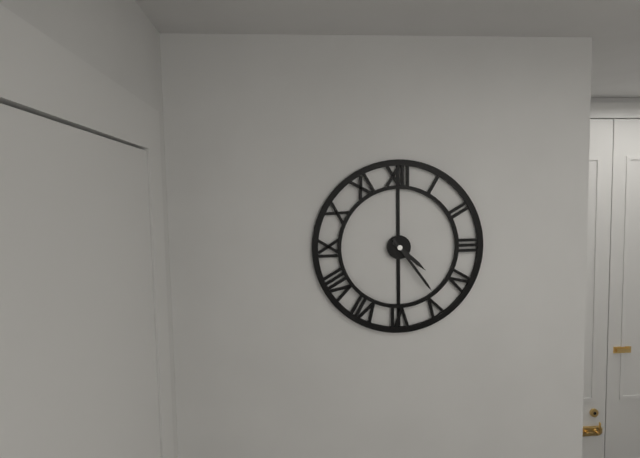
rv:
4h24
